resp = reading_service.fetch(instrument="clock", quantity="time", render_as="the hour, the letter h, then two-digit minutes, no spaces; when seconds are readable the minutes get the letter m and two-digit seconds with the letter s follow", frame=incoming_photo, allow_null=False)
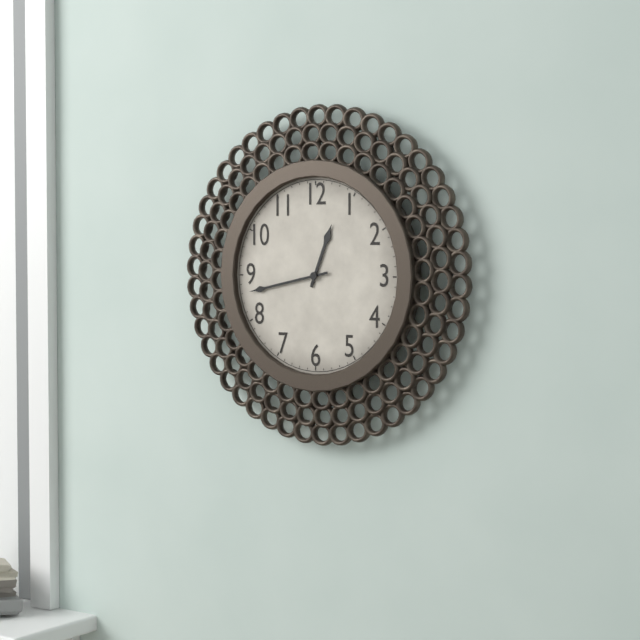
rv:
12h43
